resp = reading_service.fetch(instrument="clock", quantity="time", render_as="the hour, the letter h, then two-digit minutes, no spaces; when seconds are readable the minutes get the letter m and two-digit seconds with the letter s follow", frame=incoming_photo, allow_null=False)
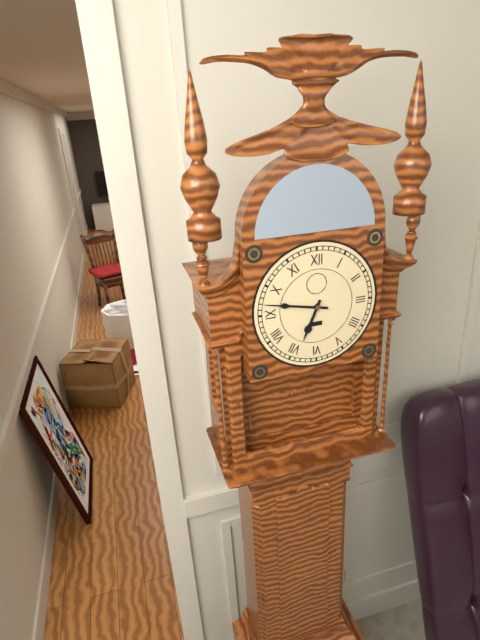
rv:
6h47
